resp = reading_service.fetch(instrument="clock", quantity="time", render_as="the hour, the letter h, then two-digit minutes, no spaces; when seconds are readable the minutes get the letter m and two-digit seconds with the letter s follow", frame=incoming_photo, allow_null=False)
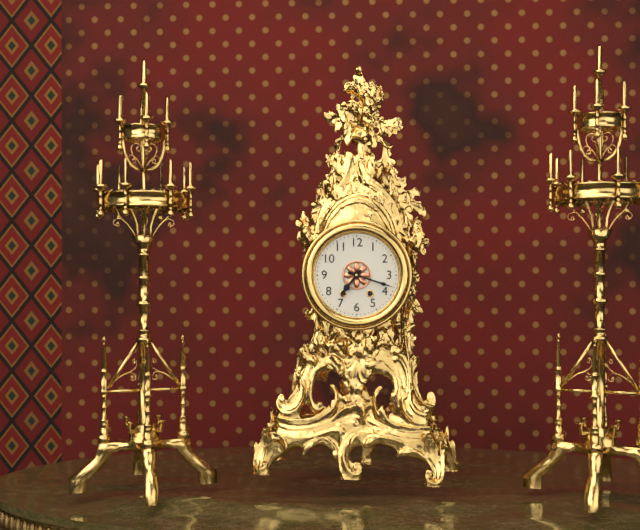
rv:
7h18
